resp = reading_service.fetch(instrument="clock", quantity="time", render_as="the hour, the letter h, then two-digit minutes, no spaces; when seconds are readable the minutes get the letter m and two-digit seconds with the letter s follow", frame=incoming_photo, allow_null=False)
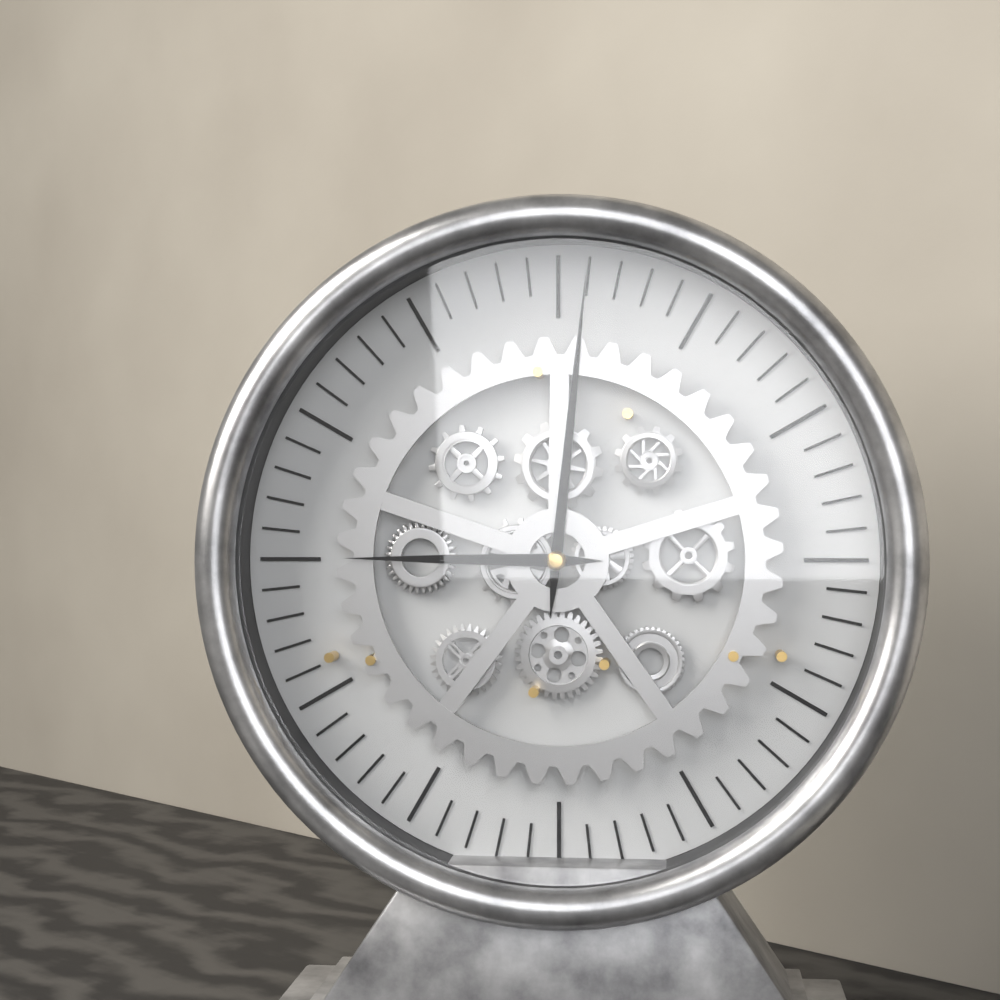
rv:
9h01
